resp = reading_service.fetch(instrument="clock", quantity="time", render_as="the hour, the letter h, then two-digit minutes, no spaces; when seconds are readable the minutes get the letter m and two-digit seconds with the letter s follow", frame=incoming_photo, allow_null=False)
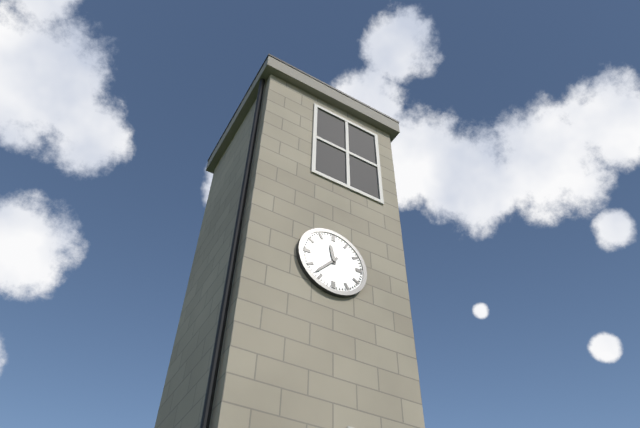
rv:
11h37
